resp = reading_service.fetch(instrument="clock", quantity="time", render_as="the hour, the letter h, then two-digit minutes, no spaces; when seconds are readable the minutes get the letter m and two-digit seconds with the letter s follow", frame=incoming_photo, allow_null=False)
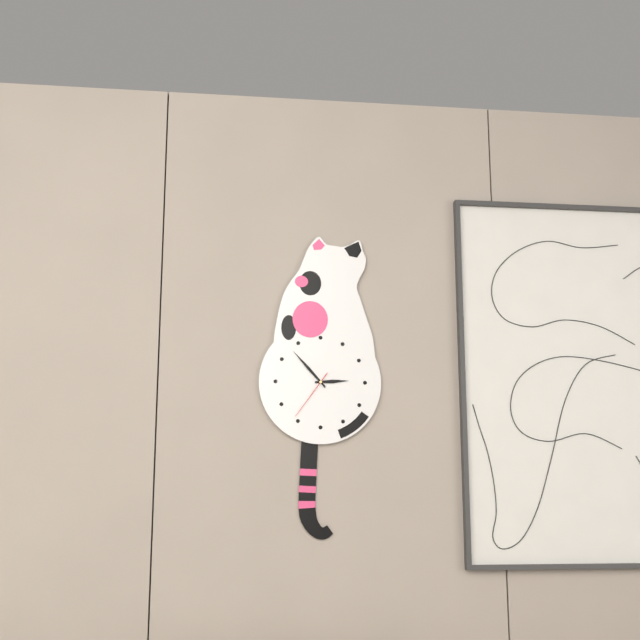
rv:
2h53m36s
